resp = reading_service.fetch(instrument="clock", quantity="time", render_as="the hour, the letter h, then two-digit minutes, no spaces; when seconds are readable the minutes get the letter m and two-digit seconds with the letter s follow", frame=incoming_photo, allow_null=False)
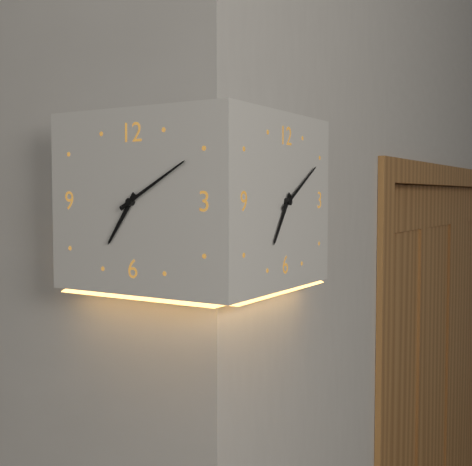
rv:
7h10
